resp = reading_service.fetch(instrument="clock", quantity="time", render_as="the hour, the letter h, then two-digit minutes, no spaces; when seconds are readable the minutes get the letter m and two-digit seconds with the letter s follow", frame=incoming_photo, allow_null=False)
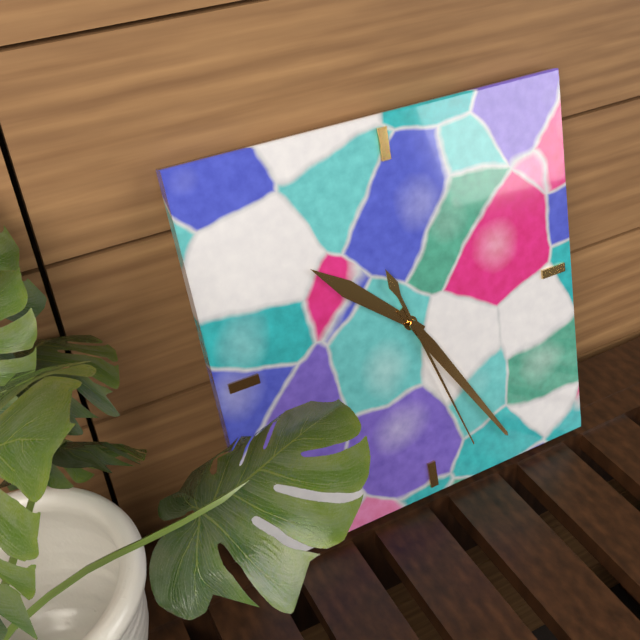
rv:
10h25m27s
